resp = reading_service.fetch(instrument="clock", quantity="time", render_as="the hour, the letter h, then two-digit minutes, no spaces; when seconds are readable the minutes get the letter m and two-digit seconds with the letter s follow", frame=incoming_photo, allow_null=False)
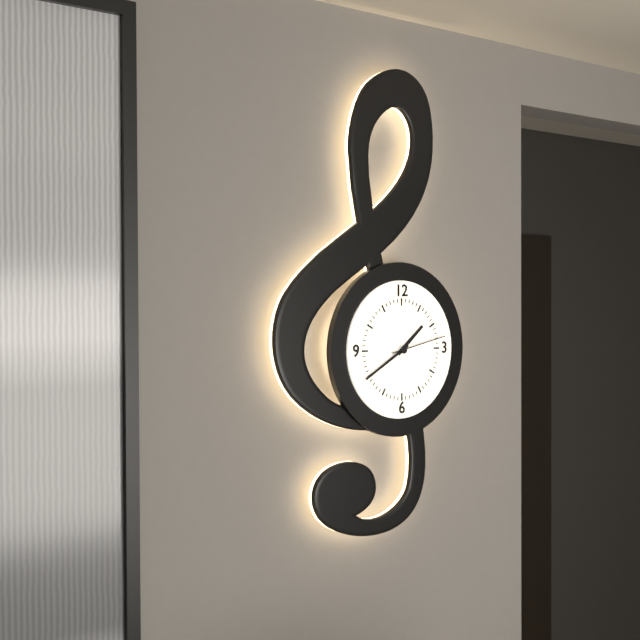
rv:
1h40m13s
